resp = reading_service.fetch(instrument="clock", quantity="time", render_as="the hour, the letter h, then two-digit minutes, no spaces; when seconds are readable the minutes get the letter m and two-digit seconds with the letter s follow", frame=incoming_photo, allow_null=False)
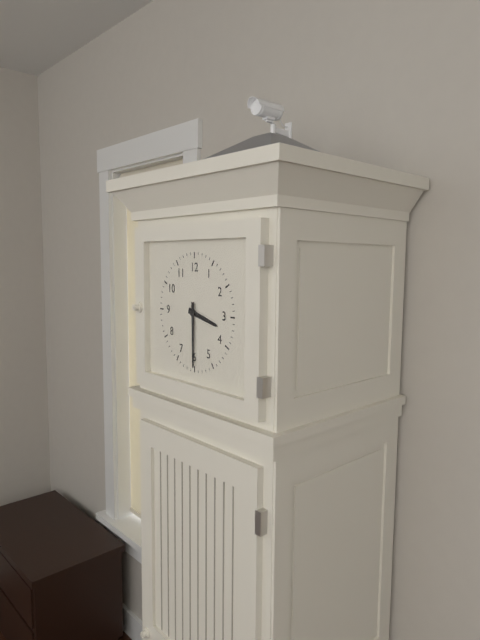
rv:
3h30
